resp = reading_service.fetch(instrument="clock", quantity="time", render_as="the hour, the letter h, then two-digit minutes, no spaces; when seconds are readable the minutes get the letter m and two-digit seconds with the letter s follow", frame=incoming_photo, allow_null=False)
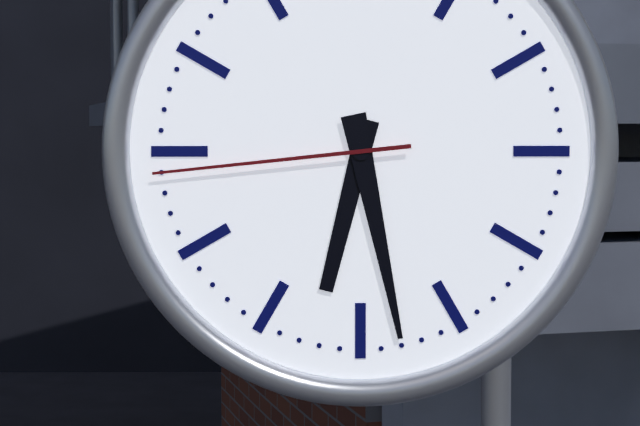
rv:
6h28m44s
